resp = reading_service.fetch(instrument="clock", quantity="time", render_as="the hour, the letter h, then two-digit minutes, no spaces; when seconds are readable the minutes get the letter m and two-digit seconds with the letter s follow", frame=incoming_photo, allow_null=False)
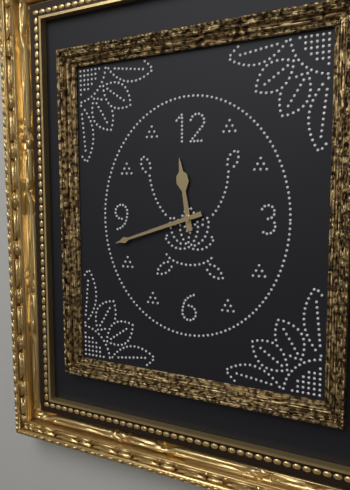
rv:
11h42
